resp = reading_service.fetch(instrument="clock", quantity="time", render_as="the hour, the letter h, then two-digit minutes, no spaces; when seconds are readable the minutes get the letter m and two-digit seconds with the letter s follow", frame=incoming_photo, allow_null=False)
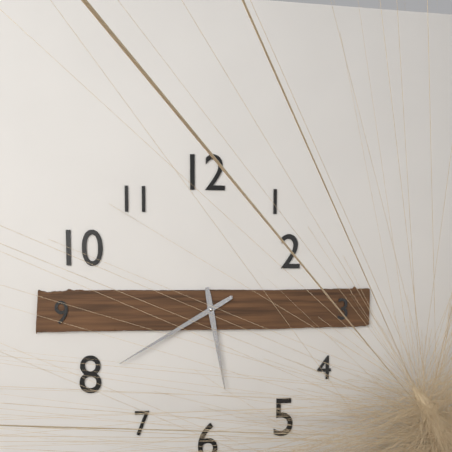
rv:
5h40
